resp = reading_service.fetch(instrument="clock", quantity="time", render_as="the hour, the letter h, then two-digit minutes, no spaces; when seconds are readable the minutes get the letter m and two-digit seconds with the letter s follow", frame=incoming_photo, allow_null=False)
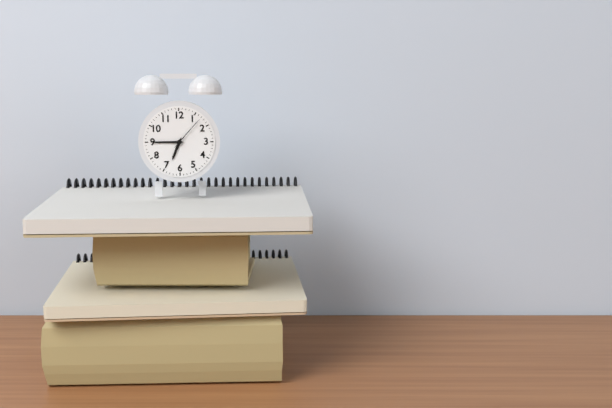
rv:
6h45
